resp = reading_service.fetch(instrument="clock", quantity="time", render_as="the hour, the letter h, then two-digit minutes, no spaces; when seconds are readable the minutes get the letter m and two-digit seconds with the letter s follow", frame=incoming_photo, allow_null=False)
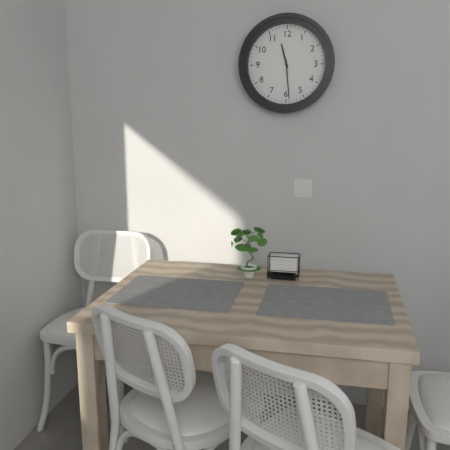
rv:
11h29
